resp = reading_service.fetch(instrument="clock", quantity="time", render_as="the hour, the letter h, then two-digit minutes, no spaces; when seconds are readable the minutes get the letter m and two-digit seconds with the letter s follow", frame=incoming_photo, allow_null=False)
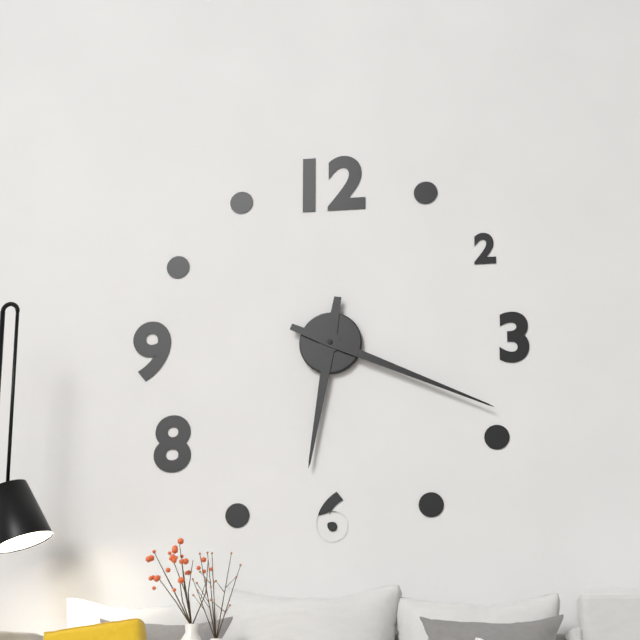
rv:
6h19
